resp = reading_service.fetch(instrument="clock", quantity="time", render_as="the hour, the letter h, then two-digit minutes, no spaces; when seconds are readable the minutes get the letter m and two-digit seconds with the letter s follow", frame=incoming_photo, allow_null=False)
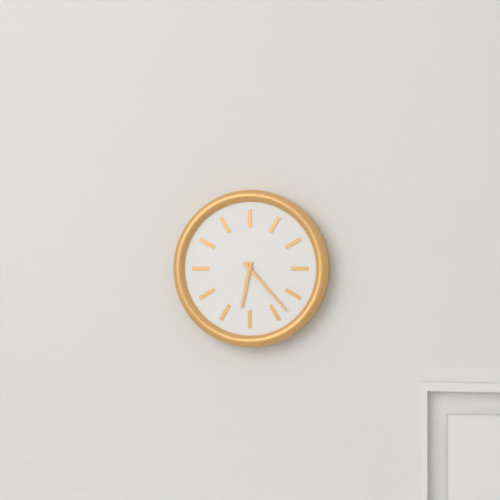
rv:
6h23
